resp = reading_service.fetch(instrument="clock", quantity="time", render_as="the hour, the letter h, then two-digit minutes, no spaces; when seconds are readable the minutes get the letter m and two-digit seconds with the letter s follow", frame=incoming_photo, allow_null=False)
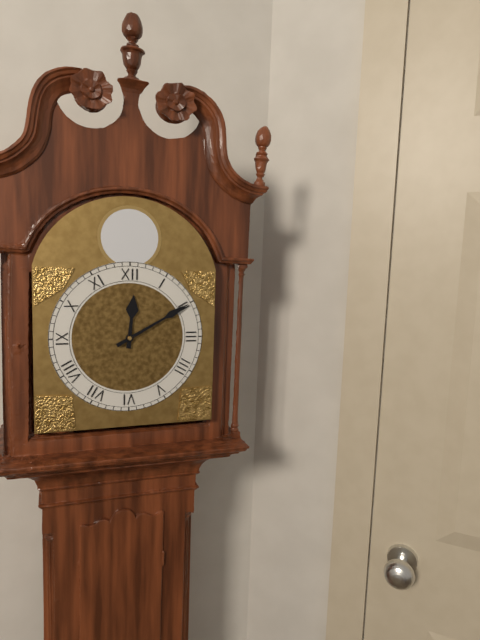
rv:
12h10
